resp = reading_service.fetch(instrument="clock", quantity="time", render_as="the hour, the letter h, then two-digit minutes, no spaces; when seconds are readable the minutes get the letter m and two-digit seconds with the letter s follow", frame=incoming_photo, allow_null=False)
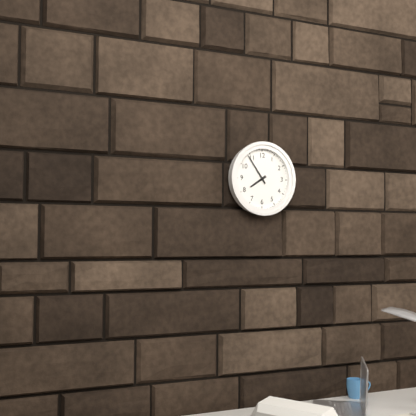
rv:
7h54
